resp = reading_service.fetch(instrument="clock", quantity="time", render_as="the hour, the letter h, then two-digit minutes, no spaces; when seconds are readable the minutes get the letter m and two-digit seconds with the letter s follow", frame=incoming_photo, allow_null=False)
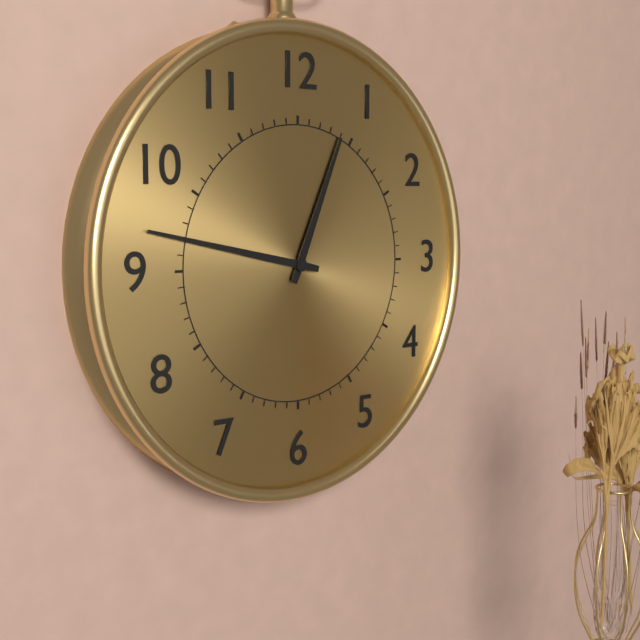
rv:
12h47
